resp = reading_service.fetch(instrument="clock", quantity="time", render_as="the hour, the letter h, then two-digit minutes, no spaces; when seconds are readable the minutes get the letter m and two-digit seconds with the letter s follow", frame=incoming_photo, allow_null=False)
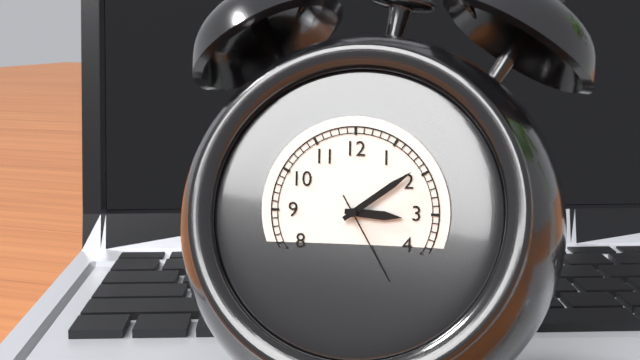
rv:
3h09m25s
